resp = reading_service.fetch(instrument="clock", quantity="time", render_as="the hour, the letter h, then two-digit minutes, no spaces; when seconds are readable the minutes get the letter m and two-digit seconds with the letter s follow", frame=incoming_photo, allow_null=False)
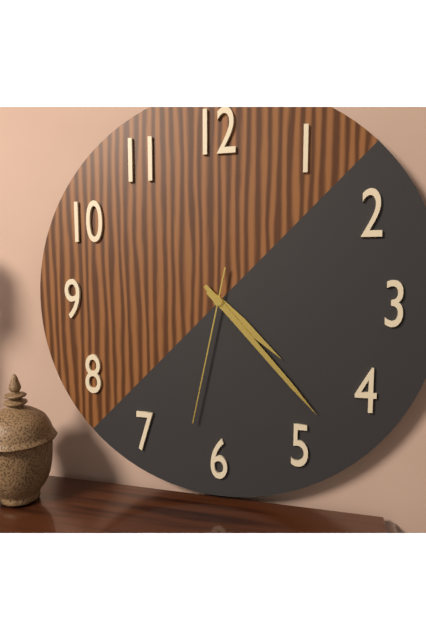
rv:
4h23m32s
